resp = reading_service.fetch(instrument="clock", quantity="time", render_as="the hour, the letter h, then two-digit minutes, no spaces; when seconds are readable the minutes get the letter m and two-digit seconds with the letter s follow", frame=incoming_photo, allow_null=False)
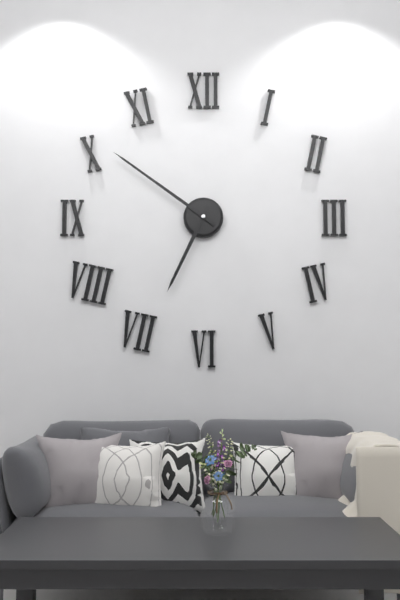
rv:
6h51
